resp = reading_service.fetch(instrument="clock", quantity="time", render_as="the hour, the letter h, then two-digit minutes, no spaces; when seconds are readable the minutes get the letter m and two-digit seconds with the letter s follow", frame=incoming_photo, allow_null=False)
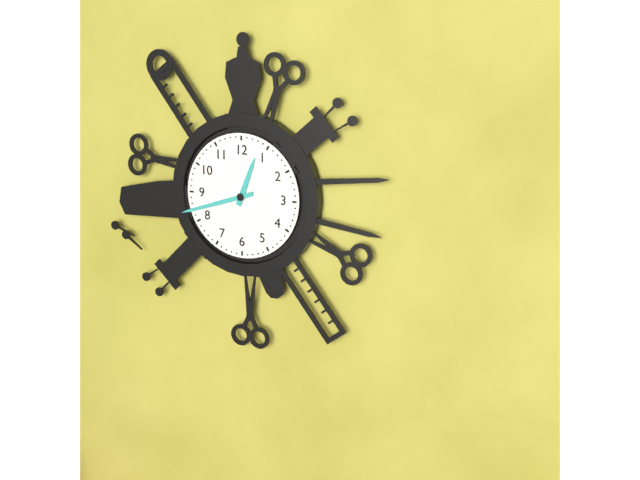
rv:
12h42
